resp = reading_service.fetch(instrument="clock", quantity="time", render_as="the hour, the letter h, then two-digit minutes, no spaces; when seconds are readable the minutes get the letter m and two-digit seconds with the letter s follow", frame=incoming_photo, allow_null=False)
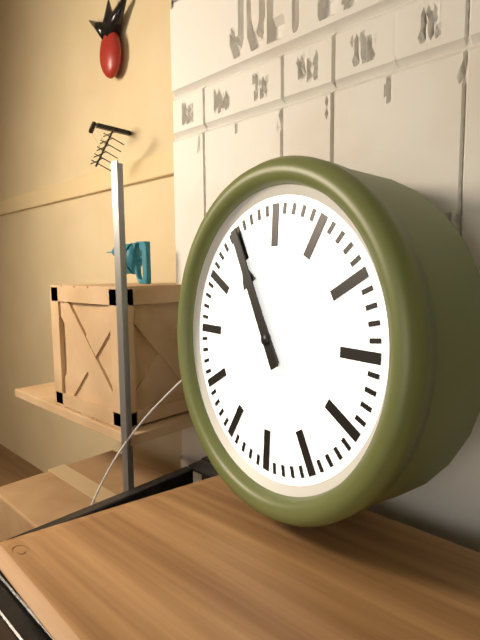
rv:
10h55
